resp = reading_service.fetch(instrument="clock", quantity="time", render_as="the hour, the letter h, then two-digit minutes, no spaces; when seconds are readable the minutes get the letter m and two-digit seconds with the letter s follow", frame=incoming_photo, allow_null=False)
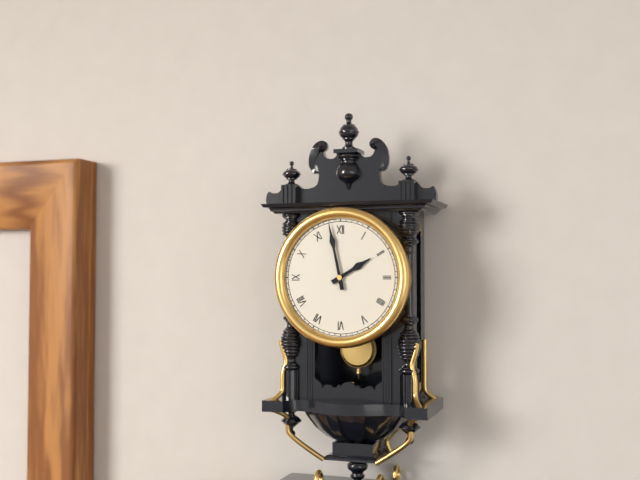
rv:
1h58
